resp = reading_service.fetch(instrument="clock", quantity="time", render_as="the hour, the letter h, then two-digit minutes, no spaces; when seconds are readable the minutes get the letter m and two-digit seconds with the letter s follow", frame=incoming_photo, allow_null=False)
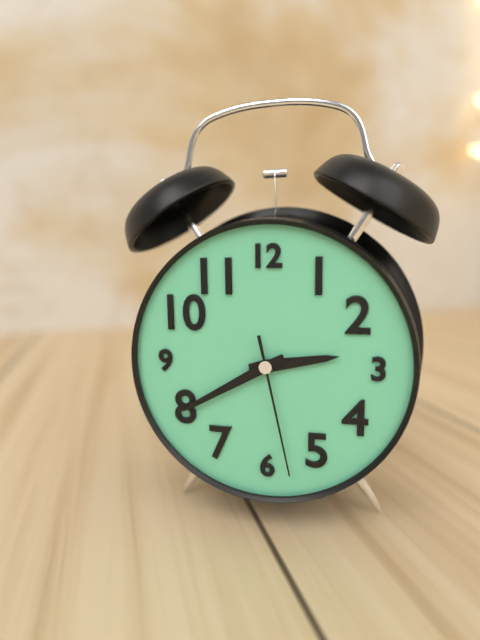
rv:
2h40m28s
